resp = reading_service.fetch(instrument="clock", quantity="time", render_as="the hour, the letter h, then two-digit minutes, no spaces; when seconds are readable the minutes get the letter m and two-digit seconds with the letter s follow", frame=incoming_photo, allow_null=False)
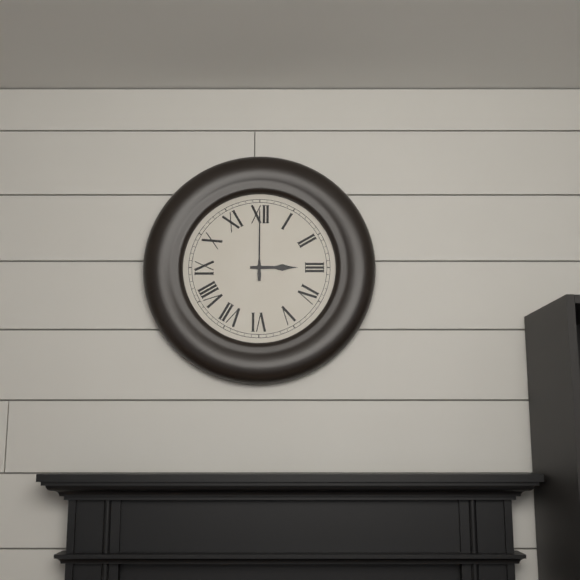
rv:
3h00
